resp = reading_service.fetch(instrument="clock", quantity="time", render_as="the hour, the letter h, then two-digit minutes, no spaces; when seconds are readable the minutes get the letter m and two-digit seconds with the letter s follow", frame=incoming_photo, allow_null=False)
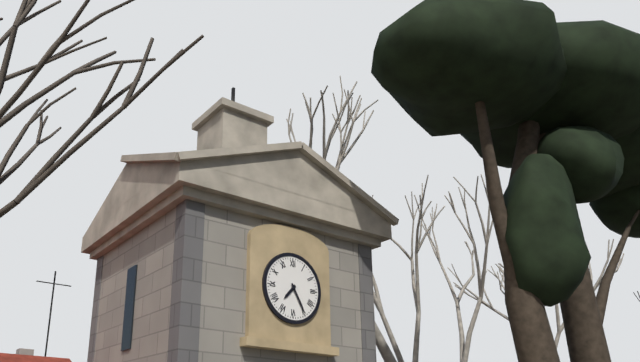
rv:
7h25
